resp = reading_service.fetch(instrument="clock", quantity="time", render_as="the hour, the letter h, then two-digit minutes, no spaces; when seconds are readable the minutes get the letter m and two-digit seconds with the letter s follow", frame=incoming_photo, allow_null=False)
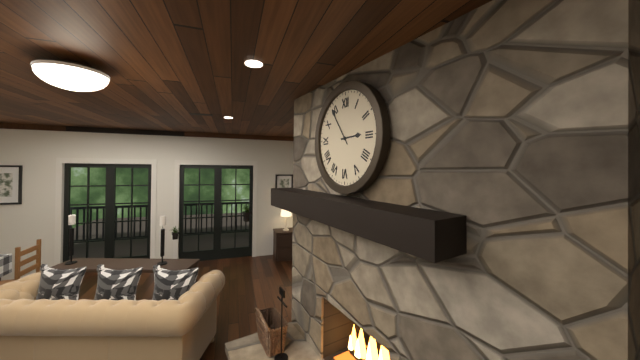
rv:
2h54
